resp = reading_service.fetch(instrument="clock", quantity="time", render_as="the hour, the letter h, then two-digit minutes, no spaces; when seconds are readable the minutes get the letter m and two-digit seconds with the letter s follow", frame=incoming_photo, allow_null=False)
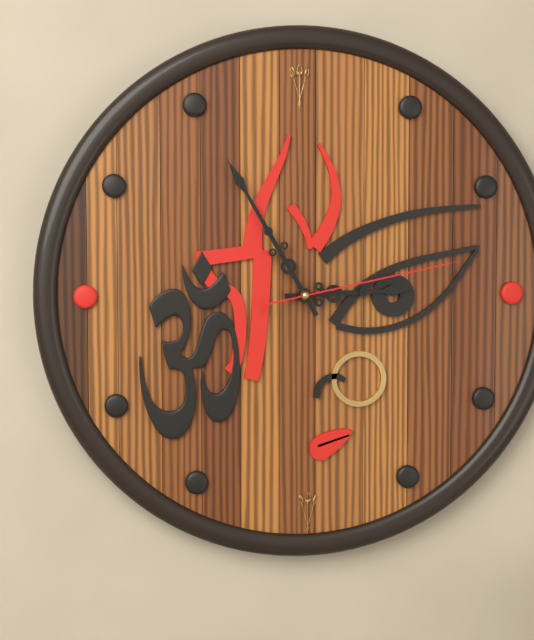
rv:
2h55m13s
